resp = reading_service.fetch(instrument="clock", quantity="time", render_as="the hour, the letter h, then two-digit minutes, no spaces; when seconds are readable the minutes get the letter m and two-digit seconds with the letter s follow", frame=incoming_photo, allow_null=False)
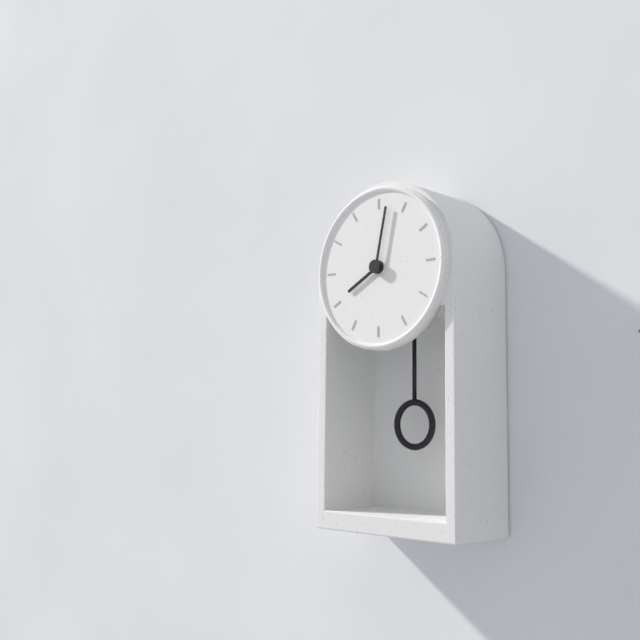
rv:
8h02
